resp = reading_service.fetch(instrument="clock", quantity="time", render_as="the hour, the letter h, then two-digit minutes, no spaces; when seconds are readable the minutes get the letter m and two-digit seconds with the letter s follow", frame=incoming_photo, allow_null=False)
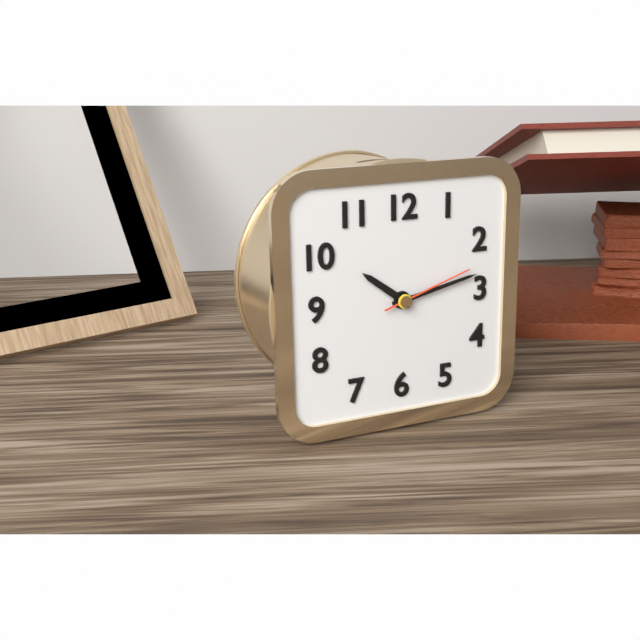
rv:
10h13m12s
